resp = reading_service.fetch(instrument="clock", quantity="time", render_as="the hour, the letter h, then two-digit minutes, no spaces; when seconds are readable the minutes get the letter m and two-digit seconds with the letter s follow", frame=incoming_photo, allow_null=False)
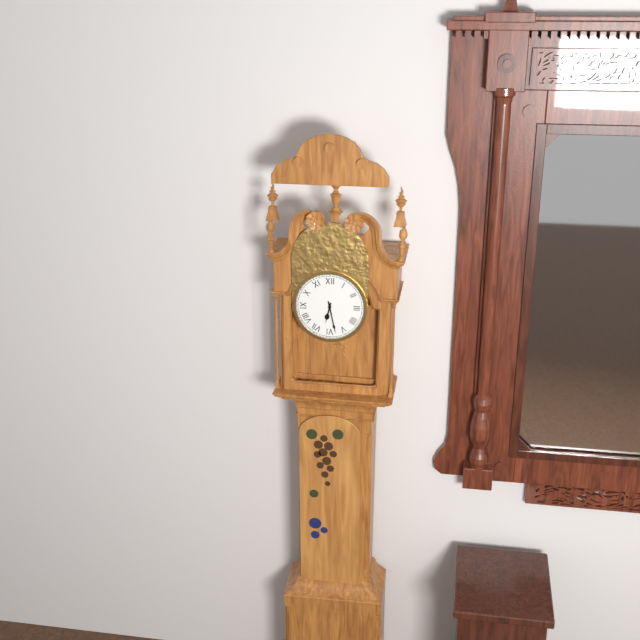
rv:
6h28
